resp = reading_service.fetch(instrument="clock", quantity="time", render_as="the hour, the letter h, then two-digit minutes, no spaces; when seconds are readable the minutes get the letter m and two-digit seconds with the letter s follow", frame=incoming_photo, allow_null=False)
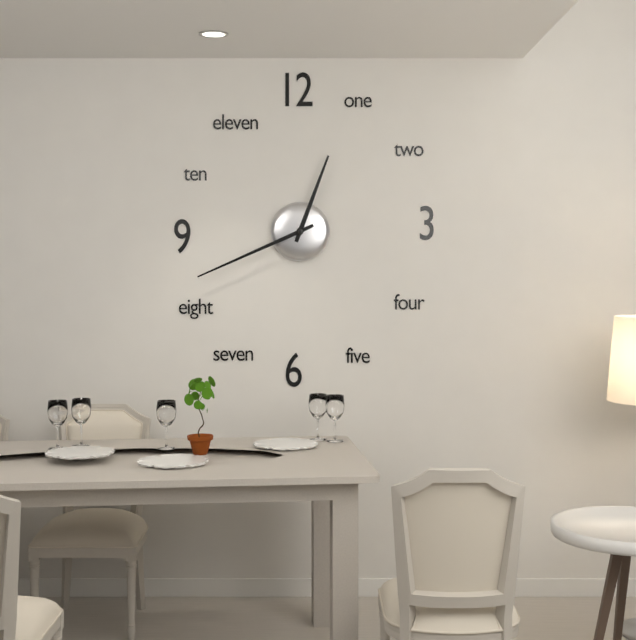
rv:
12h41
